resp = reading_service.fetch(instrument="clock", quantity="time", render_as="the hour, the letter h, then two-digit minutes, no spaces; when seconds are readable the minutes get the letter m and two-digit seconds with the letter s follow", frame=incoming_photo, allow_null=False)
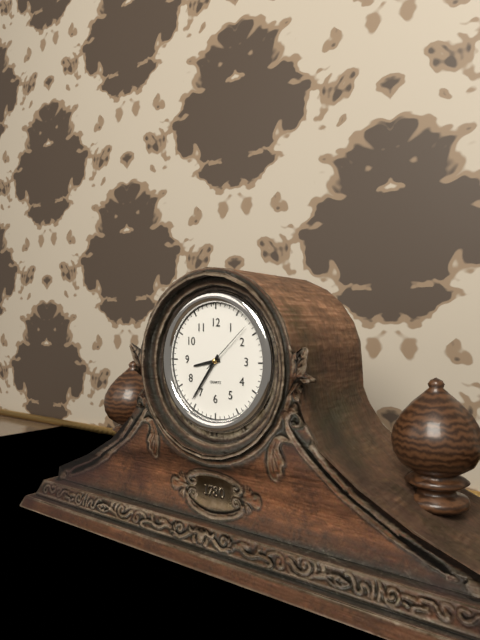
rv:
8h36m08s
